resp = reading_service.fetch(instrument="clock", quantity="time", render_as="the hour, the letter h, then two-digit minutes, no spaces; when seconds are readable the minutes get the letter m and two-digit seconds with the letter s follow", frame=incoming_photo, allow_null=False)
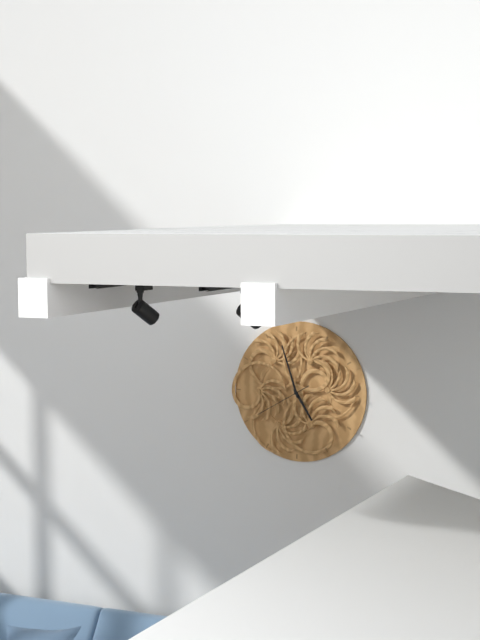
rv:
4h57m40s
